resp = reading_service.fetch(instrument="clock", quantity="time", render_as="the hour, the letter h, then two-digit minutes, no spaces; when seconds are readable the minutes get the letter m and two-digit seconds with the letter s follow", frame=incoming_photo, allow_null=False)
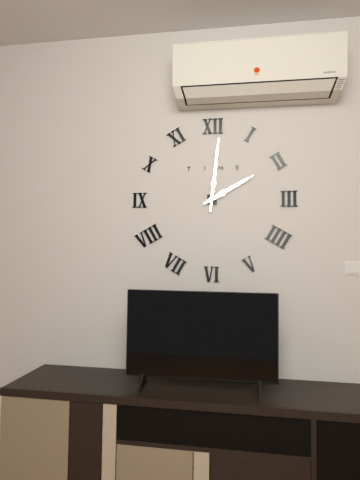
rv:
2h01
